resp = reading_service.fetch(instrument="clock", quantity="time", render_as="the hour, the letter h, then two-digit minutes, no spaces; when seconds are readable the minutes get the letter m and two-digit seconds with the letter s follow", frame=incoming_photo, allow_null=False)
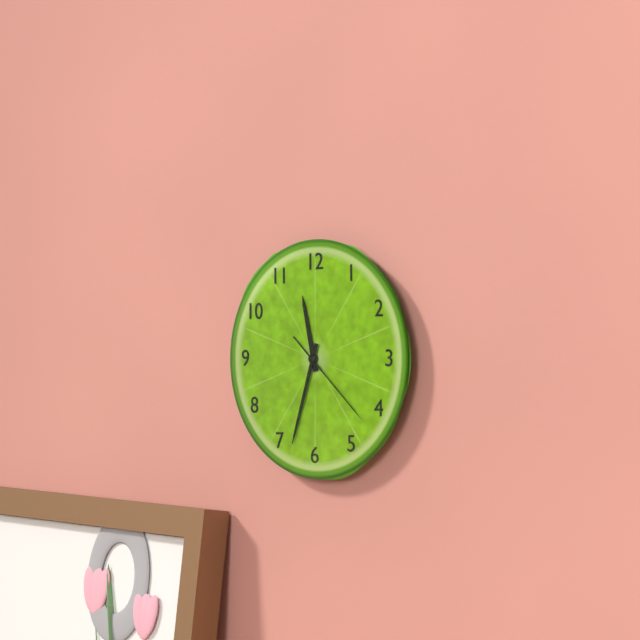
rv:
11h33m22s
